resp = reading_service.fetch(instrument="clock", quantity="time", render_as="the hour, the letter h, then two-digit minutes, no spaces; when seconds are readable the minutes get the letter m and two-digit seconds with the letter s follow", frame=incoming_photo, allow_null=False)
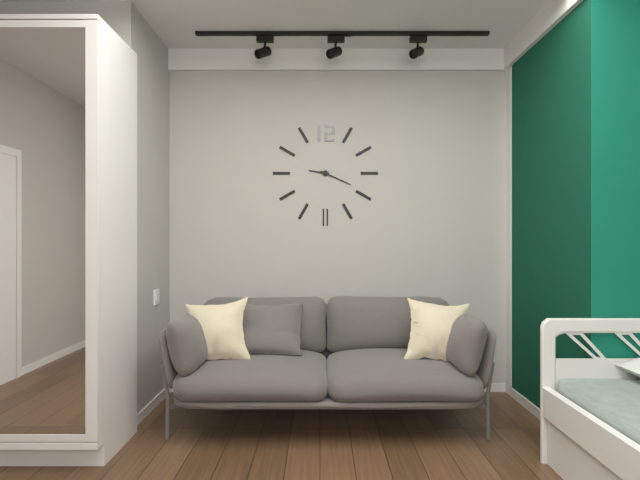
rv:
9h19
